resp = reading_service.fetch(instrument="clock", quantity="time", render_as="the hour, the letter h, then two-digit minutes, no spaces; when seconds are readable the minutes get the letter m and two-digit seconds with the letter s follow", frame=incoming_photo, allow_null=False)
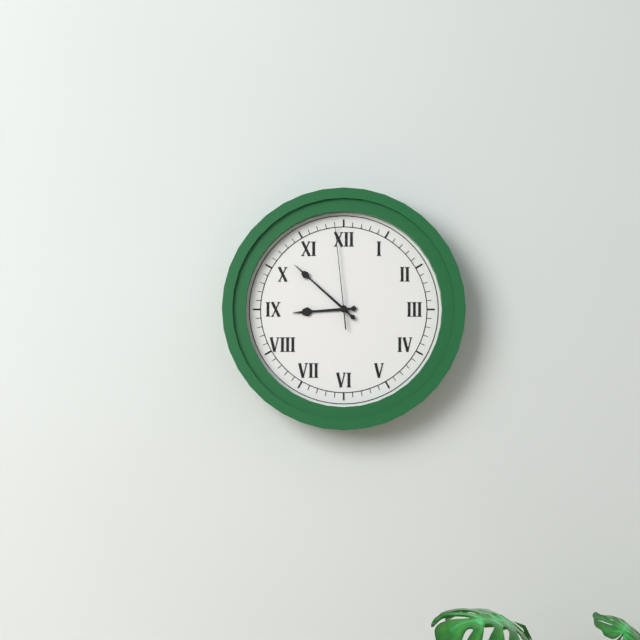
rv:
8h52m59s
